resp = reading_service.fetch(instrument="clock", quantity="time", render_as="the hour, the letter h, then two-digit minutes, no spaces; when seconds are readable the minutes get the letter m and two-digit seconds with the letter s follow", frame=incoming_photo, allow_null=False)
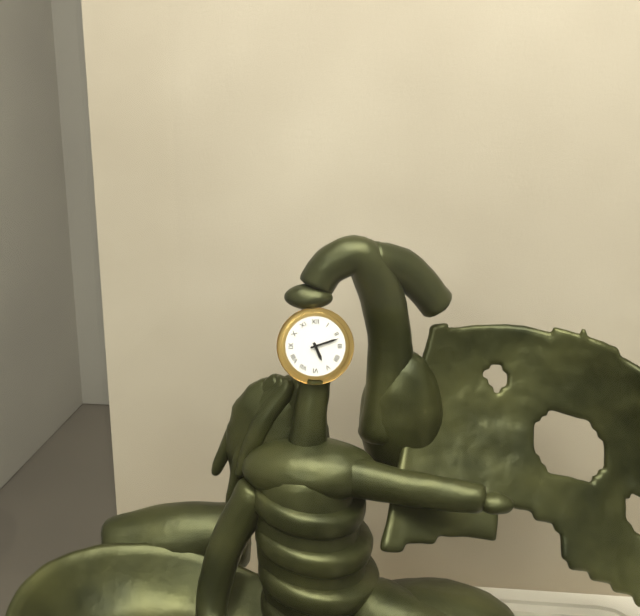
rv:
5h12
